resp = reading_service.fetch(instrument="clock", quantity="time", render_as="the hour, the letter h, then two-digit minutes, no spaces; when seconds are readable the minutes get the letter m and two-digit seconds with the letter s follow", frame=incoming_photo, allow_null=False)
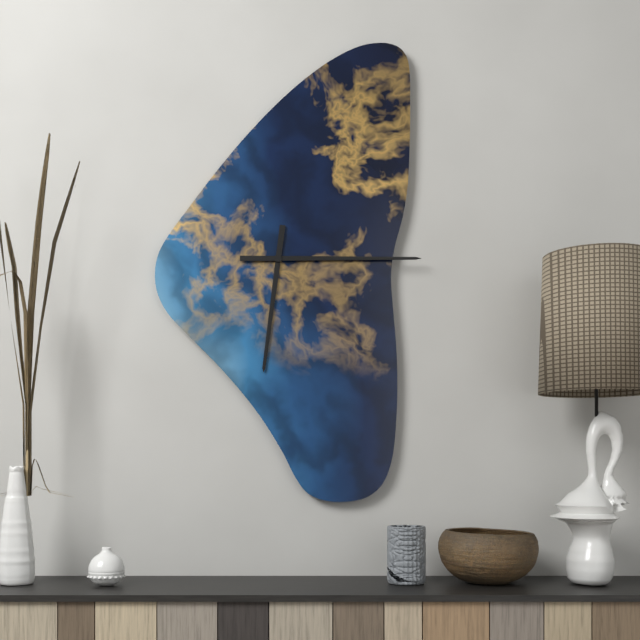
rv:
6h15
